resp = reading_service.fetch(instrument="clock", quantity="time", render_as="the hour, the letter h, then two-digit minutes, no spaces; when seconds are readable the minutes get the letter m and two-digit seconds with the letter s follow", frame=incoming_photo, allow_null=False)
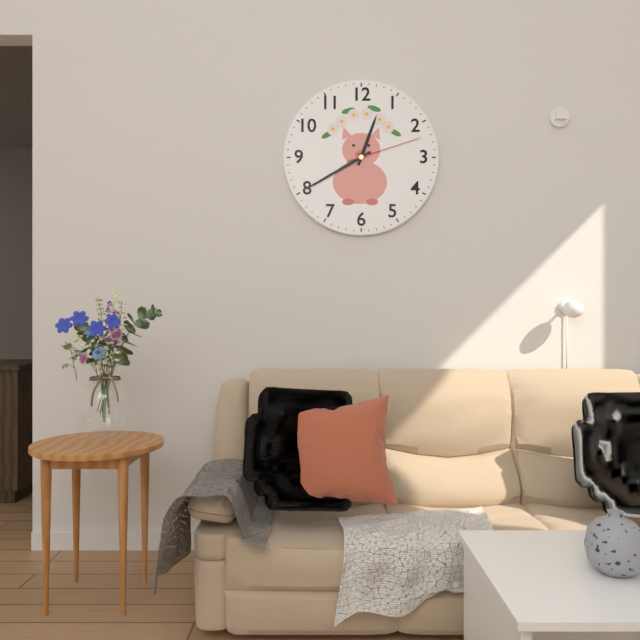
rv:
12h40m12s
